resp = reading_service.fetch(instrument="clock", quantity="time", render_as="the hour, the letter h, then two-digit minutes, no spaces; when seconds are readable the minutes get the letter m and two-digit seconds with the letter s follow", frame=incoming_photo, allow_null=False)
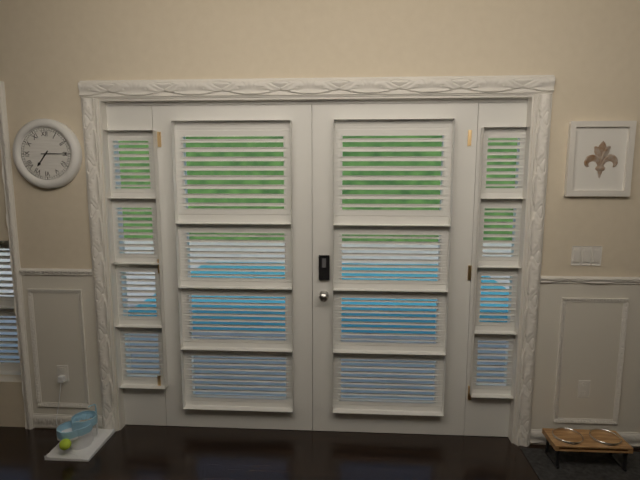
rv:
7h15
